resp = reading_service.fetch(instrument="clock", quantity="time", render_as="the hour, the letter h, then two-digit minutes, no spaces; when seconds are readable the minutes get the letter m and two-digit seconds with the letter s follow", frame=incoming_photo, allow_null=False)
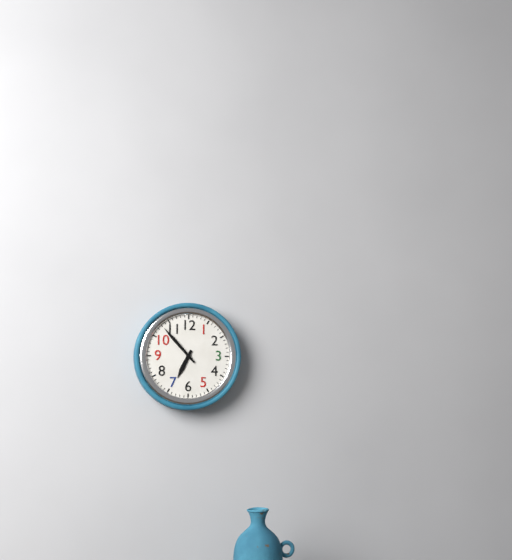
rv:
6h53
